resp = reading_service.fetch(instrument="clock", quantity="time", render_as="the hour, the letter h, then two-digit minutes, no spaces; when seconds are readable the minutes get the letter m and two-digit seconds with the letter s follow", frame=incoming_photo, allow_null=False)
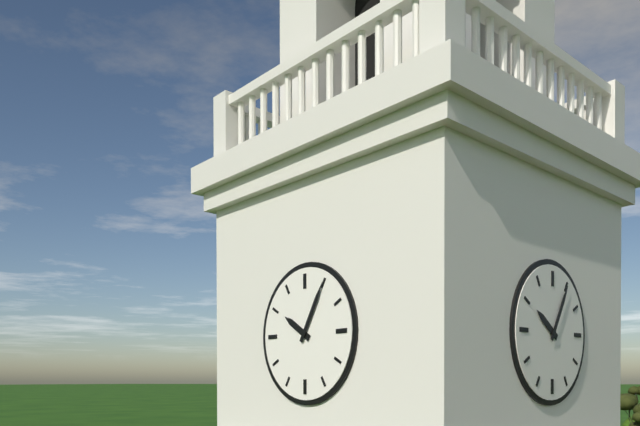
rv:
10h05
